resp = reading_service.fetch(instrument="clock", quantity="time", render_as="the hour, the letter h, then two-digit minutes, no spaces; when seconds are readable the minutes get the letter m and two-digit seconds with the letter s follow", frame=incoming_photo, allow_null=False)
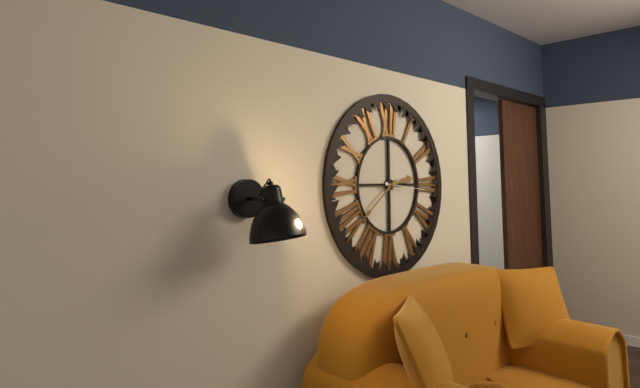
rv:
2h39
